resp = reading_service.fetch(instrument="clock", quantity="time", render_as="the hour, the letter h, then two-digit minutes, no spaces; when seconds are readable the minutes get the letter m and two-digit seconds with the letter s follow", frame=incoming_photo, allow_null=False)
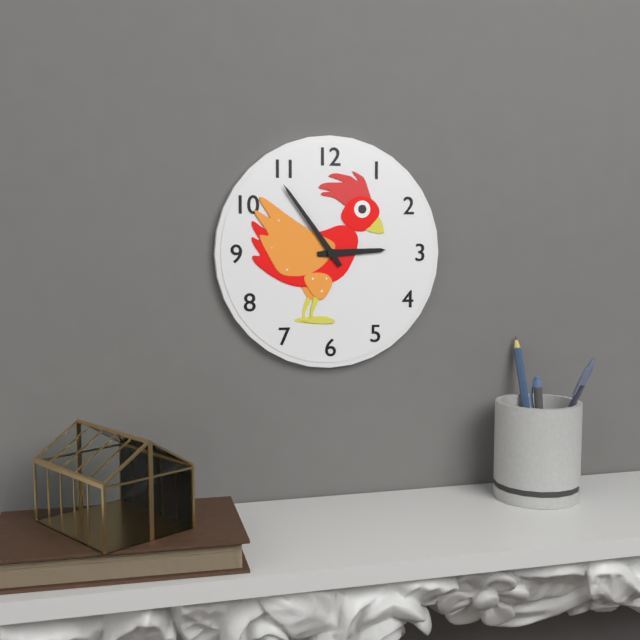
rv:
2h54
